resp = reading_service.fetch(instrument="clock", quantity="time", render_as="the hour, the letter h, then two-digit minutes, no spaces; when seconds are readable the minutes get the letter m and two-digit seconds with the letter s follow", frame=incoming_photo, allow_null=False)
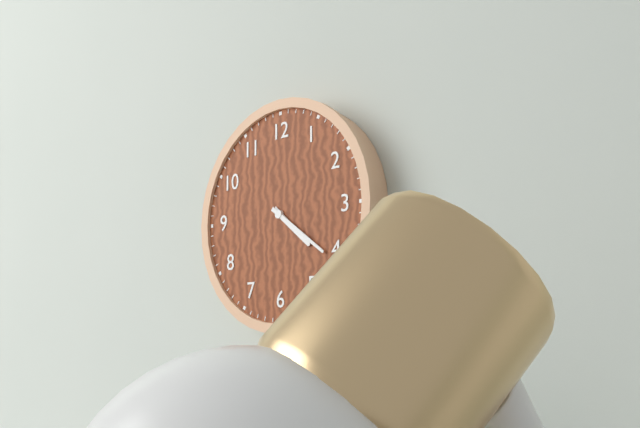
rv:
4h21
